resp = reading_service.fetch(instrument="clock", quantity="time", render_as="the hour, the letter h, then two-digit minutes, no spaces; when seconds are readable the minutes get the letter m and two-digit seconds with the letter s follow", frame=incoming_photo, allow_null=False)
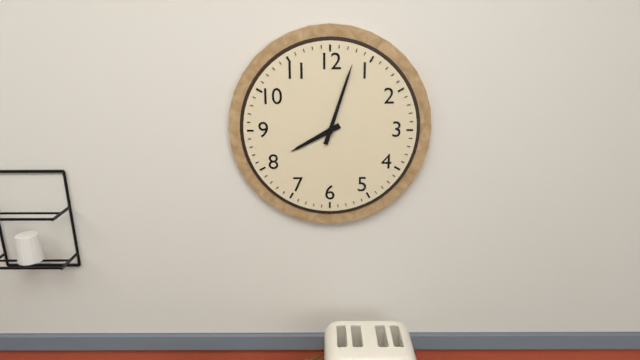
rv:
8h03
